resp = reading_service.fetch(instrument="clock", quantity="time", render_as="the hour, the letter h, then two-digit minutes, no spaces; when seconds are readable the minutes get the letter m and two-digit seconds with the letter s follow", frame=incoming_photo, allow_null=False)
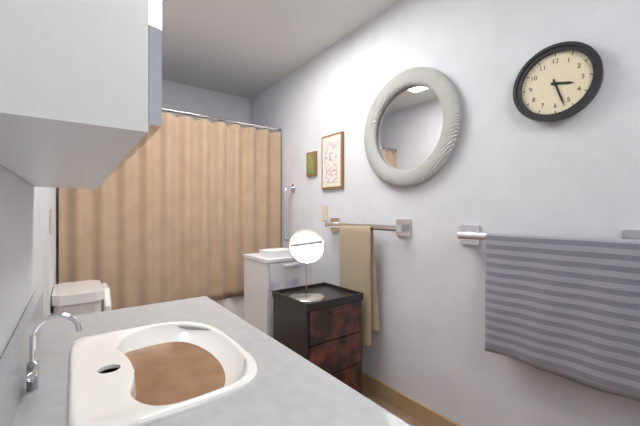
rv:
3h27
